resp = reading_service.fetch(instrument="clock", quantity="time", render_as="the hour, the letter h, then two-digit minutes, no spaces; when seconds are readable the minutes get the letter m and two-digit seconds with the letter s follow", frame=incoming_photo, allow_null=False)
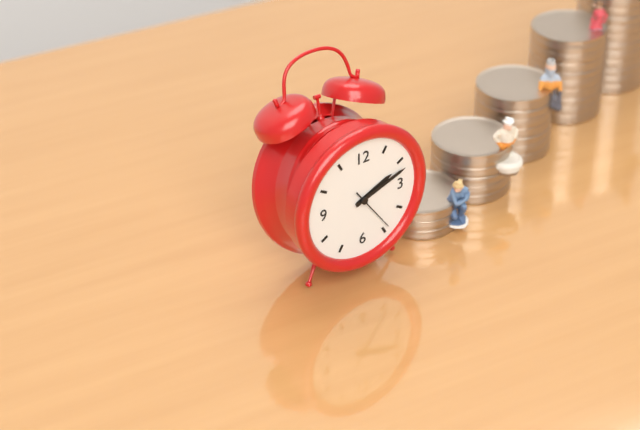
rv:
2h12
